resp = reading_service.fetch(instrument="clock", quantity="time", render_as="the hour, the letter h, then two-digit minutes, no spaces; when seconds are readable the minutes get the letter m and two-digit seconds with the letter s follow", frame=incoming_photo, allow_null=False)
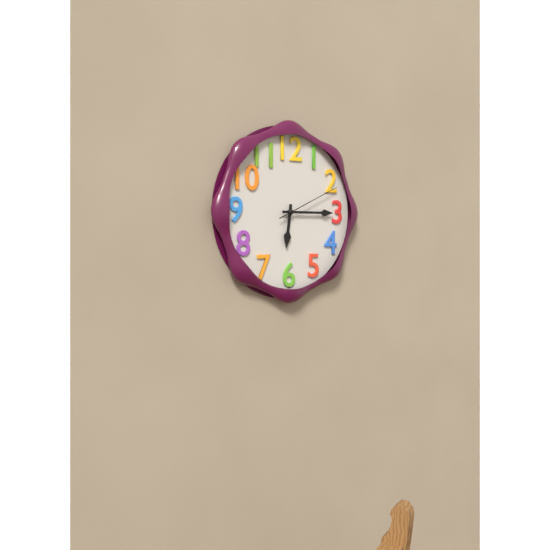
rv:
6h15m11s
